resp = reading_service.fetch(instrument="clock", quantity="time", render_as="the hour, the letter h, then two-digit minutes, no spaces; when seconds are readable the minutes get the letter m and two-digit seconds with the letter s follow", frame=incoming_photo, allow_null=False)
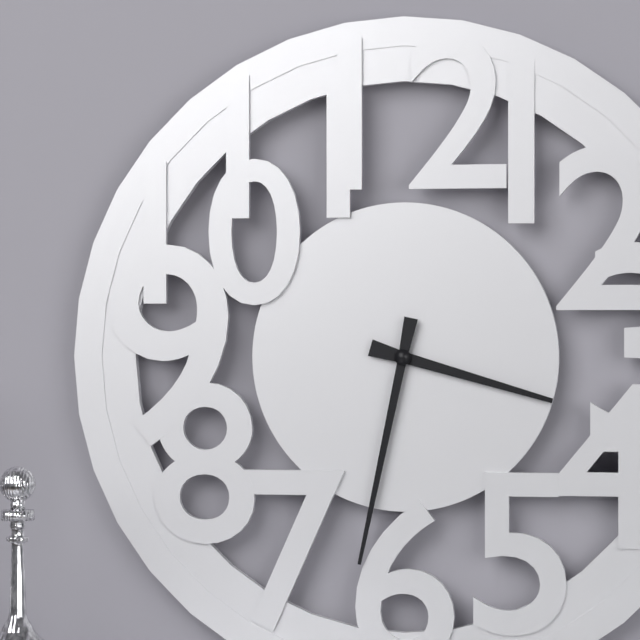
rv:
3h32
